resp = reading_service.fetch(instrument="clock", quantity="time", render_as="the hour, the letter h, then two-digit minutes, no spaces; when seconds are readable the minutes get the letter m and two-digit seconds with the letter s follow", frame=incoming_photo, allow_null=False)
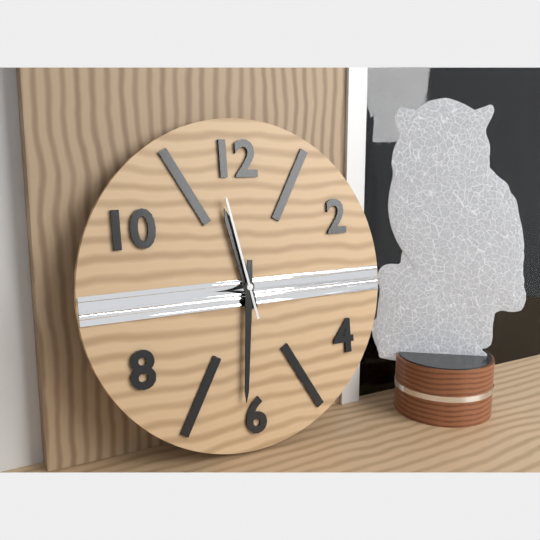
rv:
11h31m58s
